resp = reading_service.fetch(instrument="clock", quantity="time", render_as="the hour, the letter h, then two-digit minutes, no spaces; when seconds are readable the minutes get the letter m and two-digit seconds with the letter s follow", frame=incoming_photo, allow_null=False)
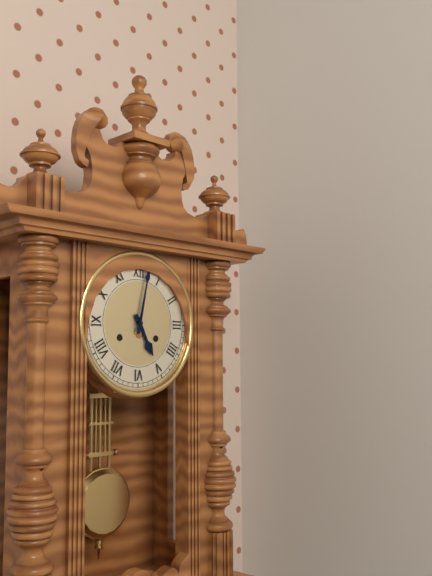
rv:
5h02
